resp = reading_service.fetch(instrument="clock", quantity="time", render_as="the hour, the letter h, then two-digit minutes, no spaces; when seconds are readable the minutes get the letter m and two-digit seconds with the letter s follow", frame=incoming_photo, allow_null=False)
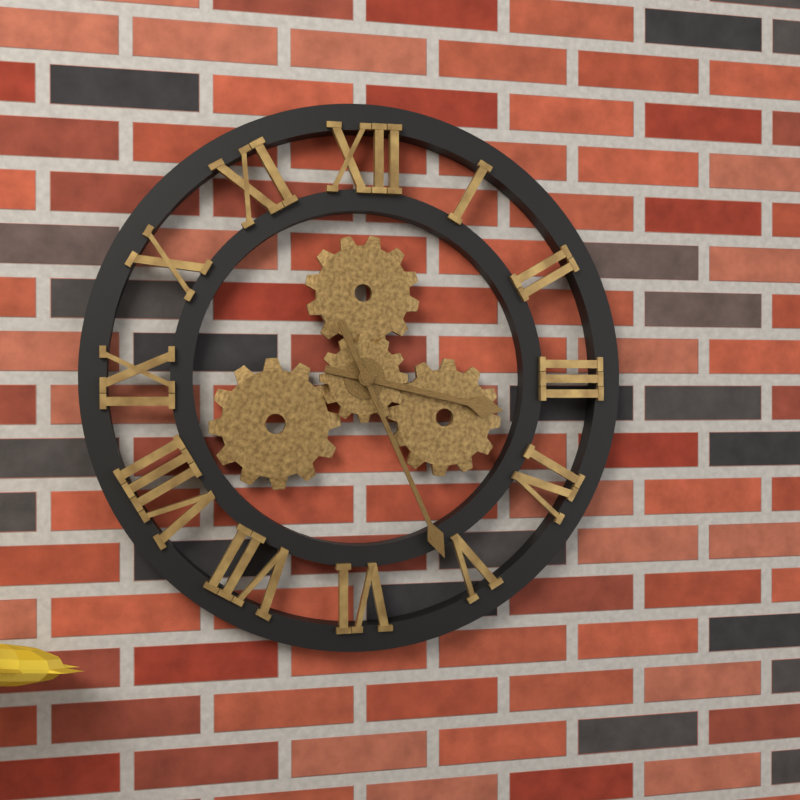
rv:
3h26
